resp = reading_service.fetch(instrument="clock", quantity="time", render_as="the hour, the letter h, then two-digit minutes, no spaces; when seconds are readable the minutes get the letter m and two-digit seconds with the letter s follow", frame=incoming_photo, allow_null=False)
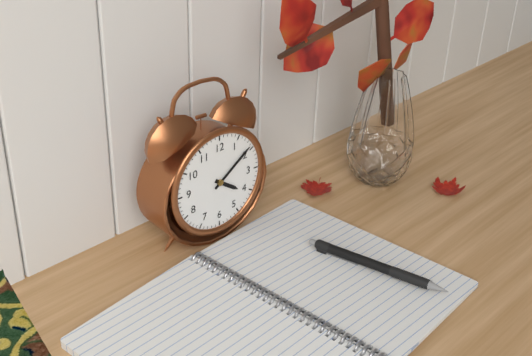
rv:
4h09
